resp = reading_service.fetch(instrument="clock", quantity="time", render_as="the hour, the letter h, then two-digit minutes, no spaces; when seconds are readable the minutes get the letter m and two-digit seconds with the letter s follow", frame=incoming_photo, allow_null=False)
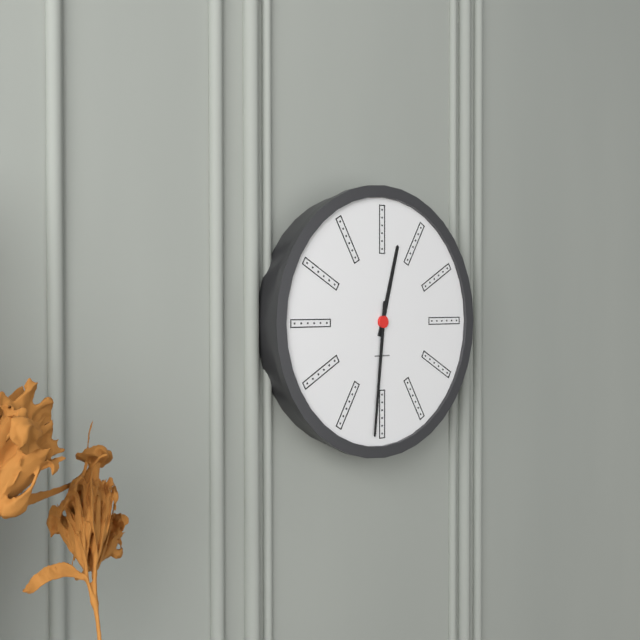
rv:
12h31
